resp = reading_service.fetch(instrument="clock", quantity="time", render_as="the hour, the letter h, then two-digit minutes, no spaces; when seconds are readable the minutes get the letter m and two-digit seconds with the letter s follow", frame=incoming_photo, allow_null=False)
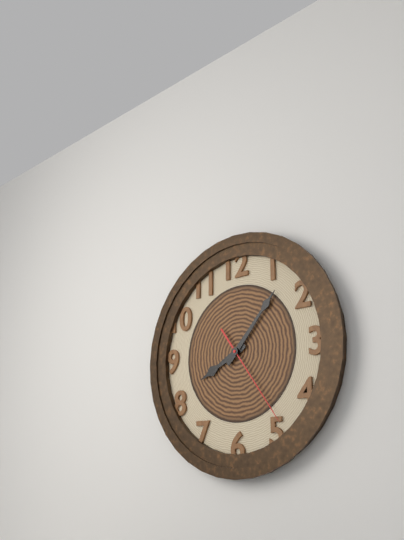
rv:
8h07m24s
